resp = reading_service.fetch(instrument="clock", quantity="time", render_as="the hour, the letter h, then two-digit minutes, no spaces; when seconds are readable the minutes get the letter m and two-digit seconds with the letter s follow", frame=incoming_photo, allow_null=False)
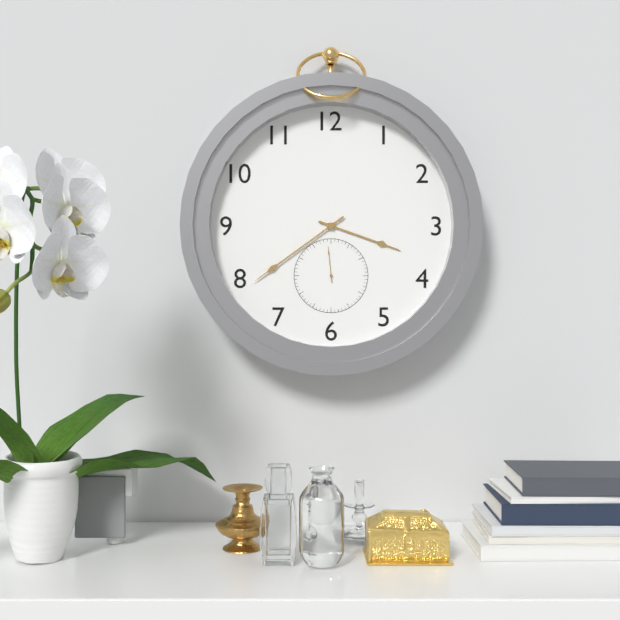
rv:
3h39
